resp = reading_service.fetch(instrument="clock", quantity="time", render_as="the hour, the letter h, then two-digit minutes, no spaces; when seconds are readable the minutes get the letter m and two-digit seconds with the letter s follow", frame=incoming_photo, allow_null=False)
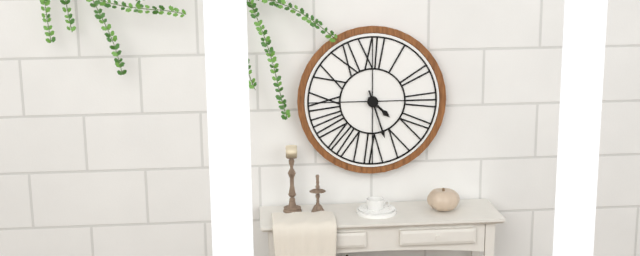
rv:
4h27
